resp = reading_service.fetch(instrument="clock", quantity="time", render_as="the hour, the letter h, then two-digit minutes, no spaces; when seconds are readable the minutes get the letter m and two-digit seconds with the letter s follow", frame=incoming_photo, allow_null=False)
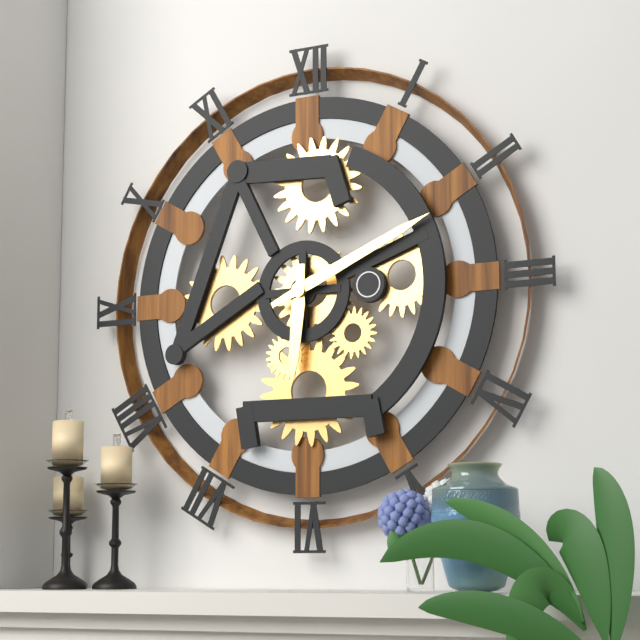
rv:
6h11
